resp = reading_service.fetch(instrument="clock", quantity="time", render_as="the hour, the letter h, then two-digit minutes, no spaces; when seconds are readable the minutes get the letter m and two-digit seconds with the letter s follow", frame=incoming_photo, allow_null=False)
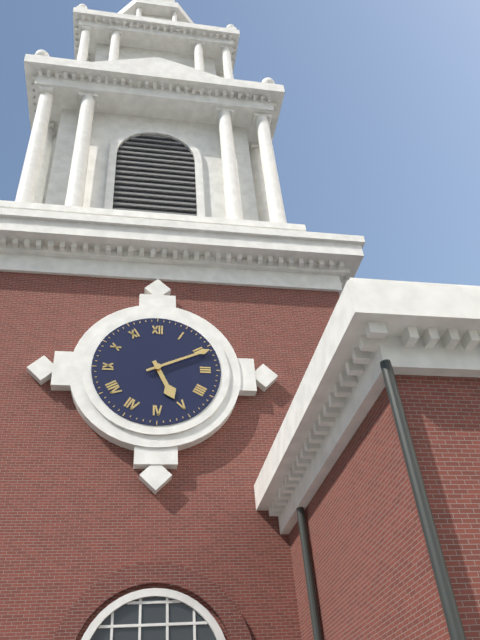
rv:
5h11
